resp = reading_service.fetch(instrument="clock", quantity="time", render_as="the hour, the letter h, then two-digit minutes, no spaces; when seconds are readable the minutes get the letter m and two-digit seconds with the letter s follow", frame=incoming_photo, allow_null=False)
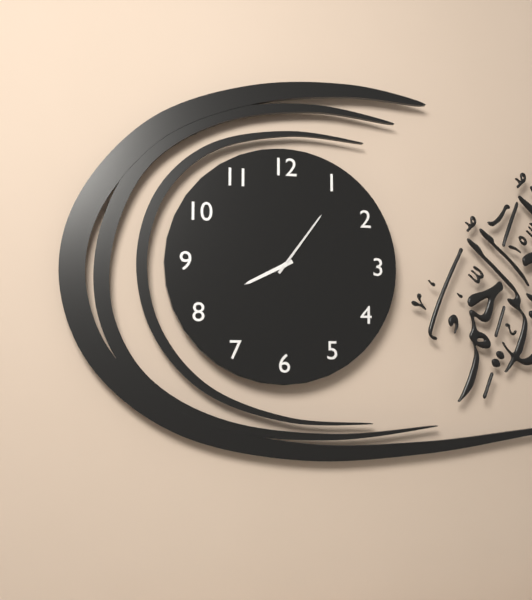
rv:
8h06
